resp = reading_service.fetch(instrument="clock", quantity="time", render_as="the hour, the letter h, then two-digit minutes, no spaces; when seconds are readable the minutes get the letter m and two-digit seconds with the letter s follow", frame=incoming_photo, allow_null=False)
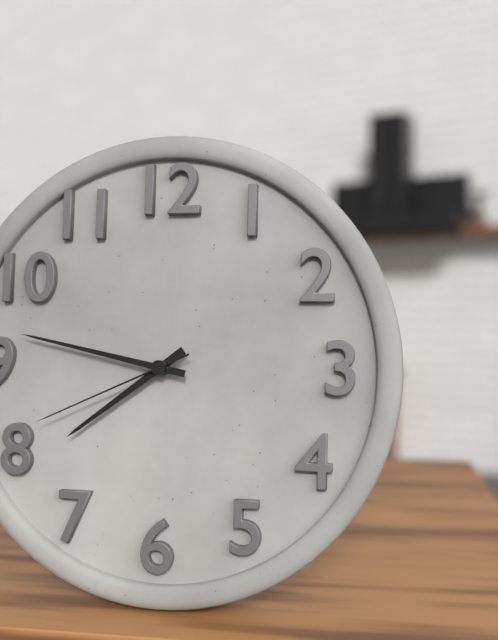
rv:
7h47m41s
